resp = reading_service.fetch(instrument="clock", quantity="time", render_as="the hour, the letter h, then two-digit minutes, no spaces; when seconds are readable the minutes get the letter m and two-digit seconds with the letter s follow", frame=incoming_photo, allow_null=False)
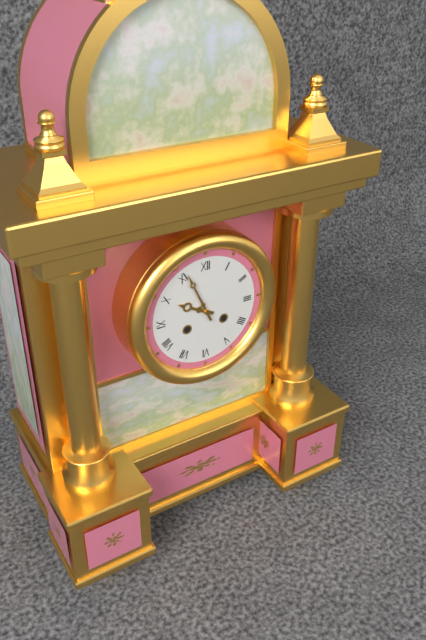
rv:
9h56
